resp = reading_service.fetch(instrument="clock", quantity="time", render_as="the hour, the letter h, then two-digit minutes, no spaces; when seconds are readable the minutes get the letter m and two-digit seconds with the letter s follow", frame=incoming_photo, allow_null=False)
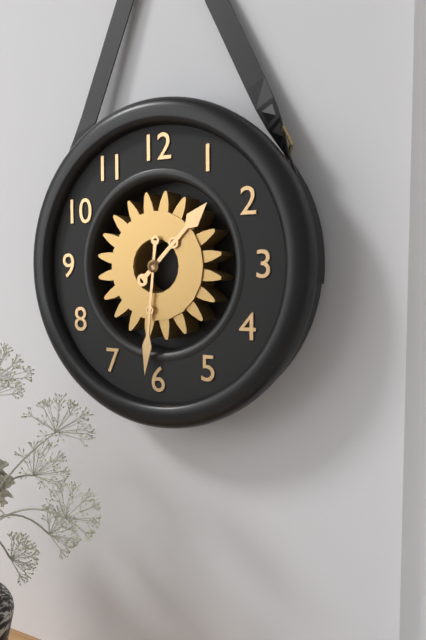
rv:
1h31
